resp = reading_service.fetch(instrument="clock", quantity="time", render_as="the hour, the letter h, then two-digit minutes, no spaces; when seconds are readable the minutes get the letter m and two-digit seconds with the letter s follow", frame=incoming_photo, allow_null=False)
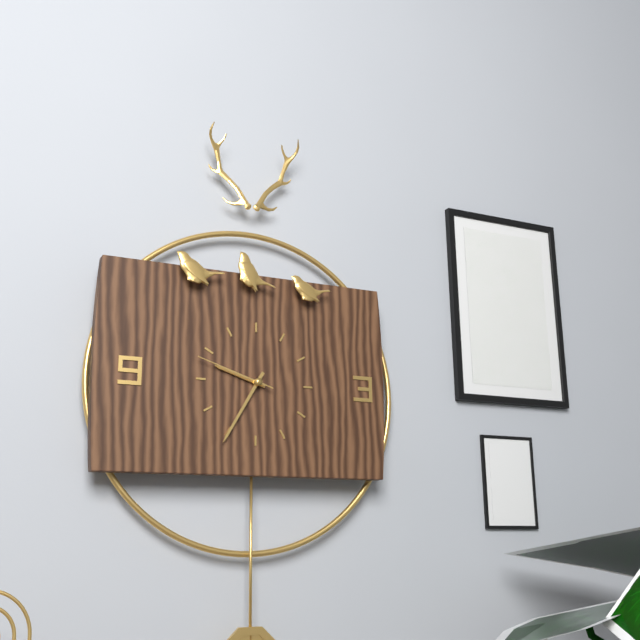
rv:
9h35m48s
